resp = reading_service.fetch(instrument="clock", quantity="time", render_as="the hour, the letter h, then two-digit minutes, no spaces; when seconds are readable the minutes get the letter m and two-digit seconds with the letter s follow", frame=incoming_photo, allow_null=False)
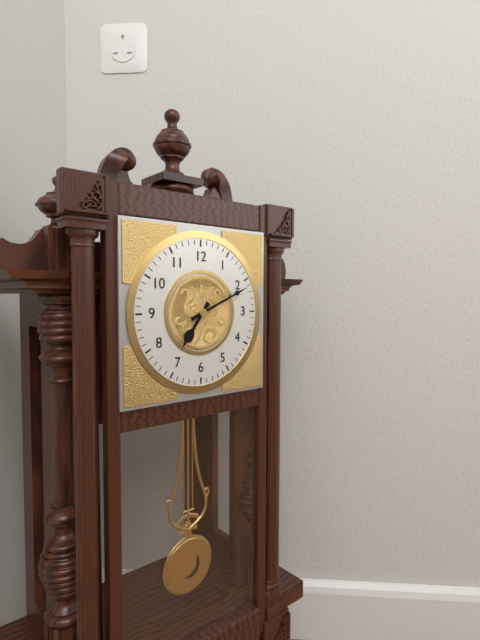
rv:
7h11
